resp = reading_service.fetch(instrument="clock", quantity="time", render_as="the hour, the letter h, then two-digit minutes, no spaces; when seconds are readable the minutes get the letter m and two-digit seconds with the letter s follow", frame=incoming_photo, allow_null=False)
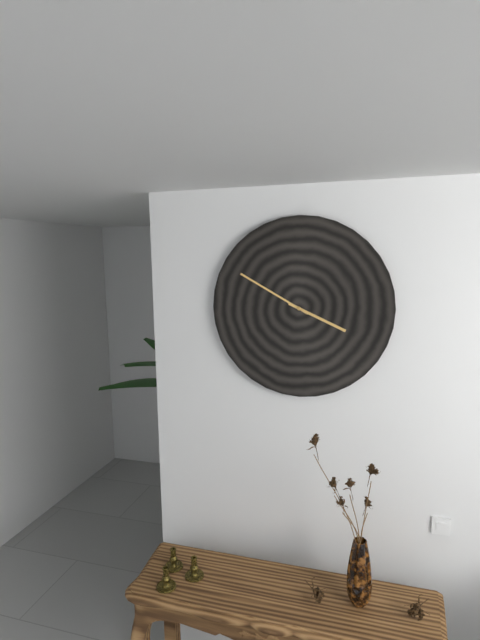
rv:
3h50
